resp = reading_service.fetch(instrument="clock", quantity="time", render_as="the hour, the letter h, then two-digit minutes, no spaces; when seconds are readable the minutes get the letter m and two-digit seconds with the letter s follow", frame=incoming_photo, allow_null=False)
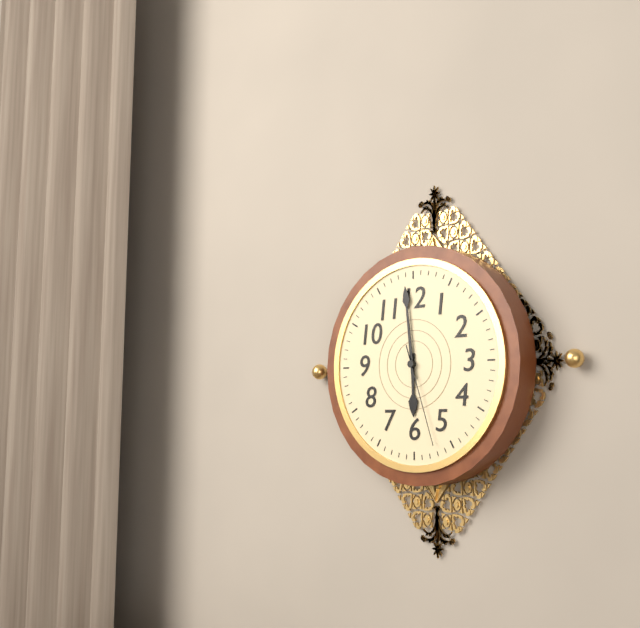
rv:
5h59m27s
